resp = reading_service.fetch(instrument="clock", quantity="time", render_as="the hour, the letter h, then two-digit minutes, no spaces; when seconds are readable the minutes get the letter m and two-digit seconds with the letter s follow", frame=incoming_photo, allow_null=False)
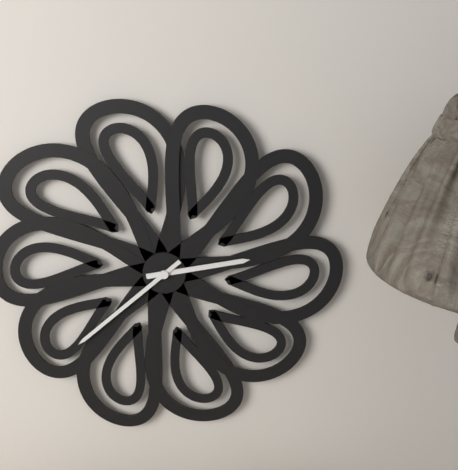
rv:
2h38
